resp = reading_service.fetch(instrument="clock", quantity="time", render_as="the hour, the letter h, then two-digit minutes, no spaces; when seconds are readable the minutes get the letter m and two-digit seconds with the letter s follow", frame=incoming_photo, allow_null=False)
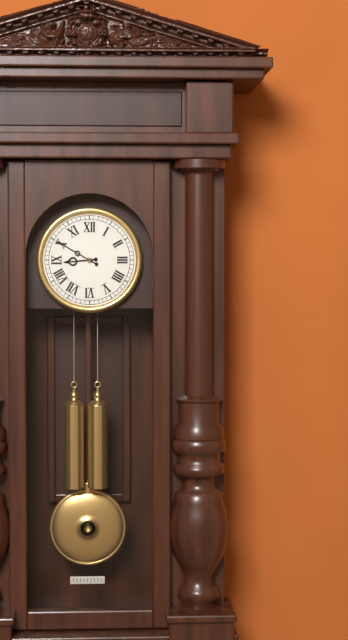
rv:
8h50
